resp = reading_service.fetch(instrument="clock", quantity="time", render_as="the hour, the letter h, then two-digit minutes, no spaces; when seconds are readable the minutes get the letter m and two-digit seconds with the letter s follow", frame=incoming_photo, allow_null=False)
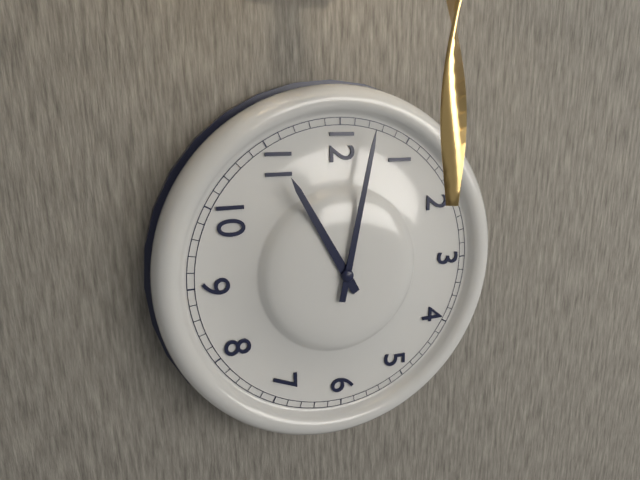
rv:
11h02
